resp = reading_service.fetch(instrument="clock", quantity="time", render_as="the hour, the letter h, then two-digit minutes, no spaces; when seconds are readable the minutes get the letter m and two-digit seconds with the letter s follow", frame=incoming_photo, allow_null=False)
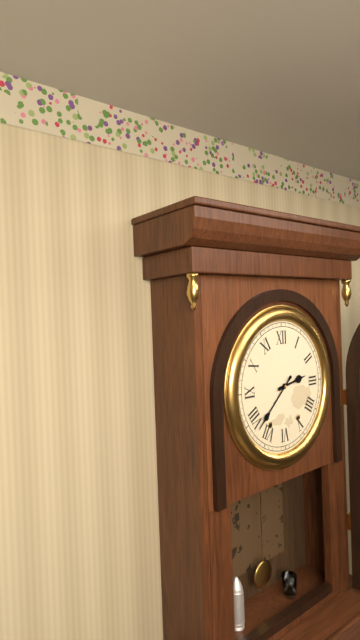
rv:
2h38
